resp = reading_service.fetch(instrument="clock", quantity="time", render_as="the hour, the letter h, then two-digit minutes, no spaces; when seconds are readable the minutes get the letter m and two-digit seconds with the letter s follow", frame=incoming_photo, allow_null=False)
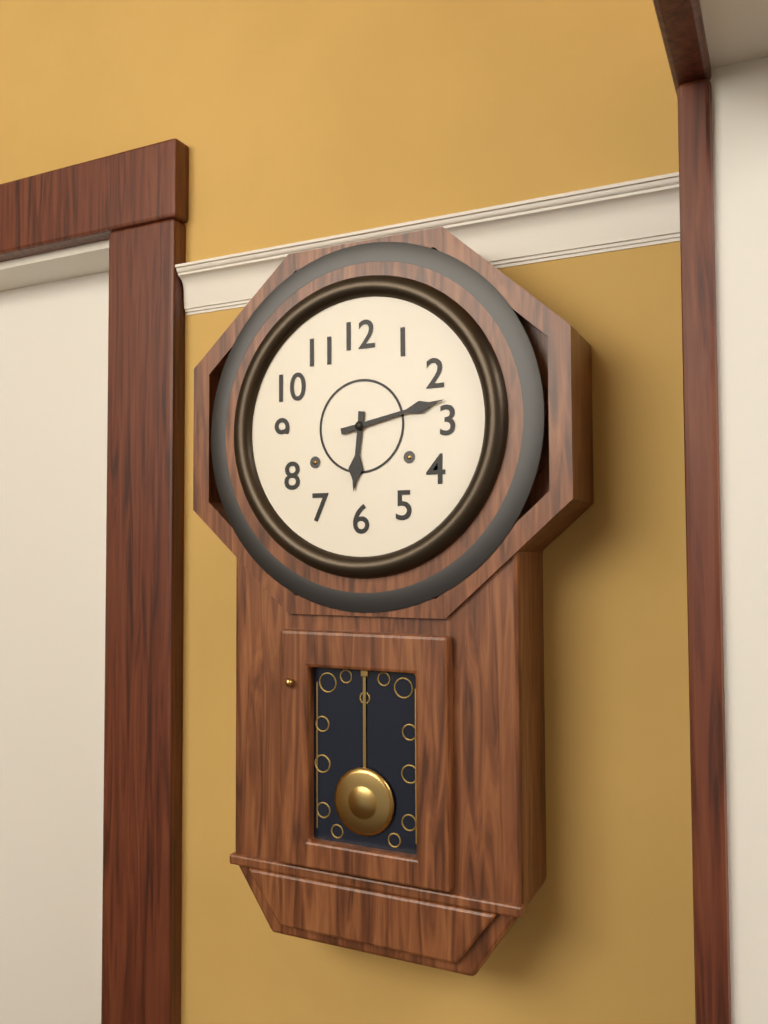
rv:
6h13
